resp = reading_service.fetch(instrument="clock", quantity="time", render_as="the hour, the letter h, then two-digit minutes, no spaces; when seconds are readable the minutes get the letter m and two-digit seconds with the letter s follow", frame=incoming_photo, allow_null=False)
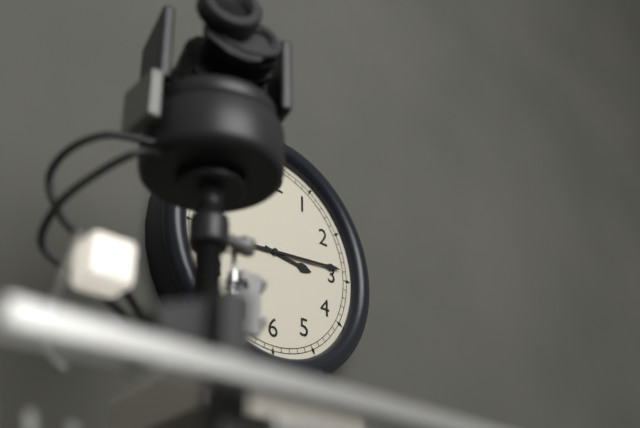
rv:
3h14
